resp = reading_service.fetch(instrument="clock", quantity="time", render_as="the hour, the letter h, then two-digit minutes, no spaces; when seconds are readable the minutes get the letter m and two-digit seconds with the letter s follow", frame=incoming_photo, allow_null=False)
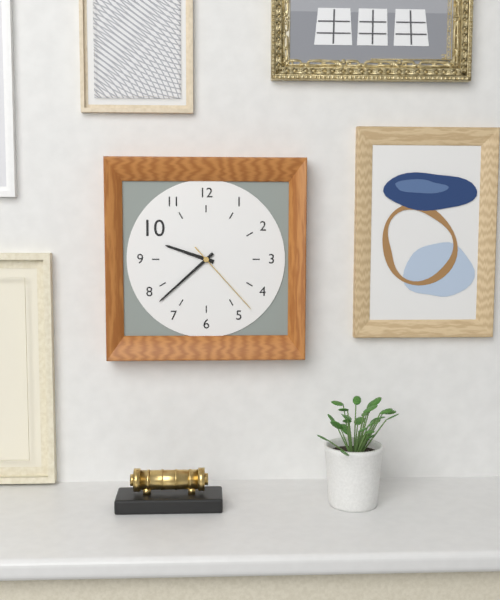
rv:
9h38m23s
